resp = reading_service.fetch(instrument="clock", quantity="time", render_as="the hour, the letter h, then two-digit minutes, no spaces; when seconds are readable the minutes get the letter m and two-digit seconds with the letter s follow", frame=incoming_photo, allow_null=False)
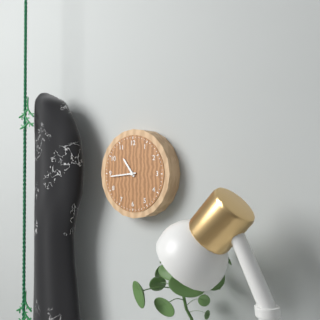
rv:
10h44
